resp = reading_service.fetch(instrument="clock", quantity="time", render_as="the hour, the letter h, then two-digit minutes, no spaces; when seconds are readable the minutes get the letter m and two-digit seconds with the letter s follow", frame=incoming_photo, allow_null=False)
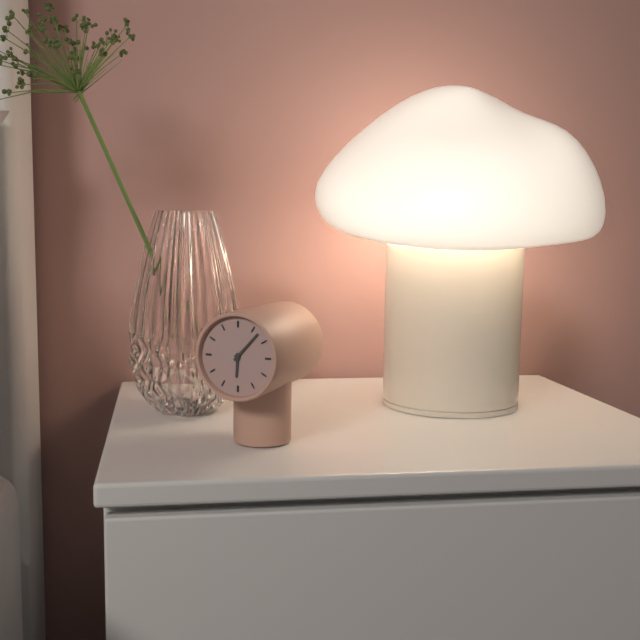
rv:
6h07
